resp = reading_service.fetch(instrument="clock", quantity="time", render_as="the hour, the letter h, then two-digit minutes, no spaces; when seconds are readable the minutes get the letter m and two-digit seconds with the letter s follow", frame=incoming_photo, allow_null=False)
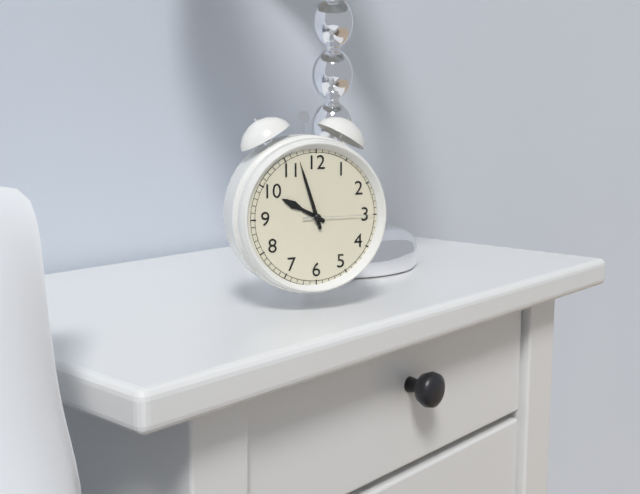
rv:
9h57m15s
